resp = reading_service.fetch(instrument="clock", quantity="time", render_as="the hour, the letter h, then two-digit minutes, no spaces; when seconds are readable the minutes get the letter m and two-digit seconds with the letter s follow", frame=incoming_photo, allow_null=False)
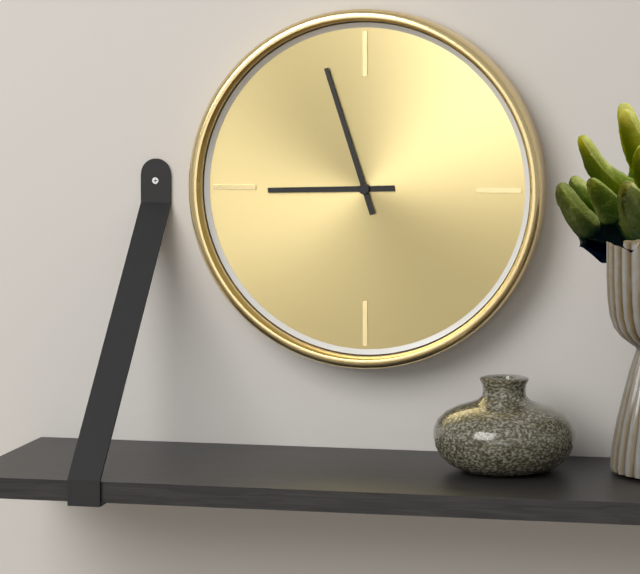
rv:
8h57
